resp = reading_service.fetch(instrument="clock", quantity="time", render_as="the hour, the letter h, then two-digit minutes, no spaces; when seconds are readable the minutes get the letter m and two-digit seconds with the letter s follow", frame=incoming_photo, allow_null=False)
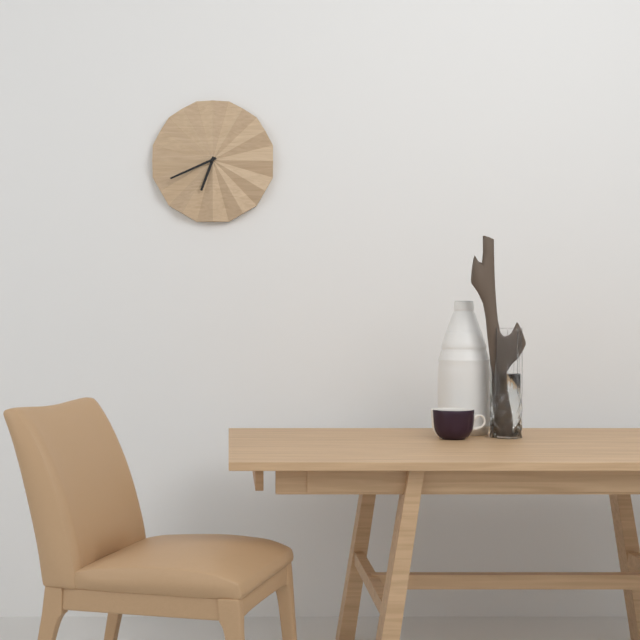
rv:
6h41
